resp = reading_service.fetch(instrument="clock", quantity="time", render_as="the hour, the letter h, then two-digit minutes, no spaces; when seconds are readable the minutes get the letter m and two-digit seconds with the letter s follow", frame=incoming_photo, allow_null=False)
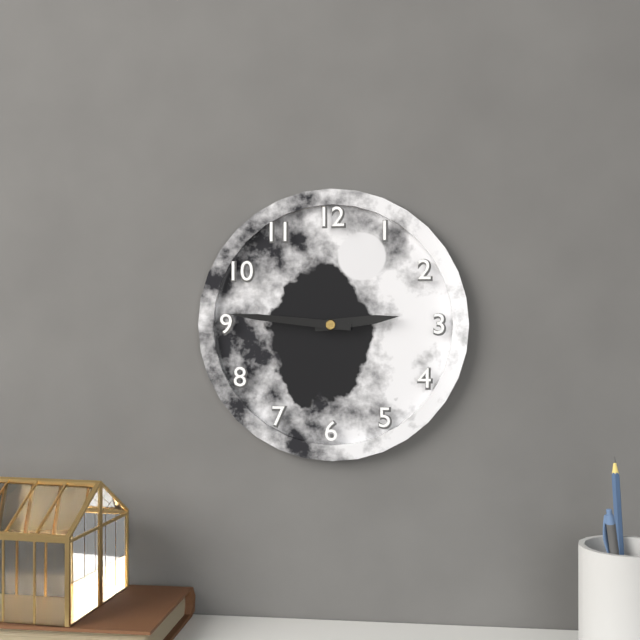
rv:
2h46
